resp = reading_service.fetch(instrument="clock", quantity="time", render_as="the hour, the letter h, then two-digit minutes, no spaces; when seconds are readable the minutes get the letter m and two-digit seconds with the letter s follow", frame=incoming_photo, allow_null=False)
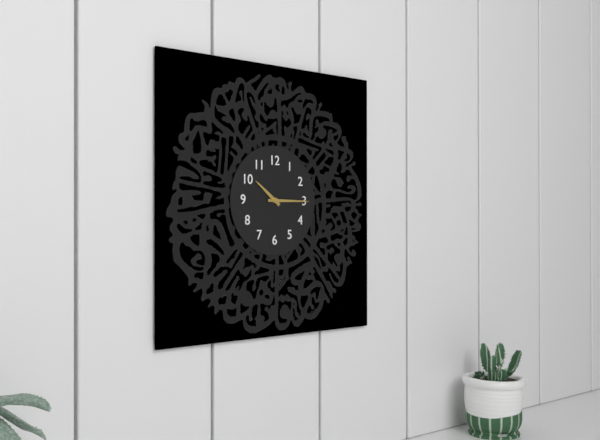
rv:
10h15
